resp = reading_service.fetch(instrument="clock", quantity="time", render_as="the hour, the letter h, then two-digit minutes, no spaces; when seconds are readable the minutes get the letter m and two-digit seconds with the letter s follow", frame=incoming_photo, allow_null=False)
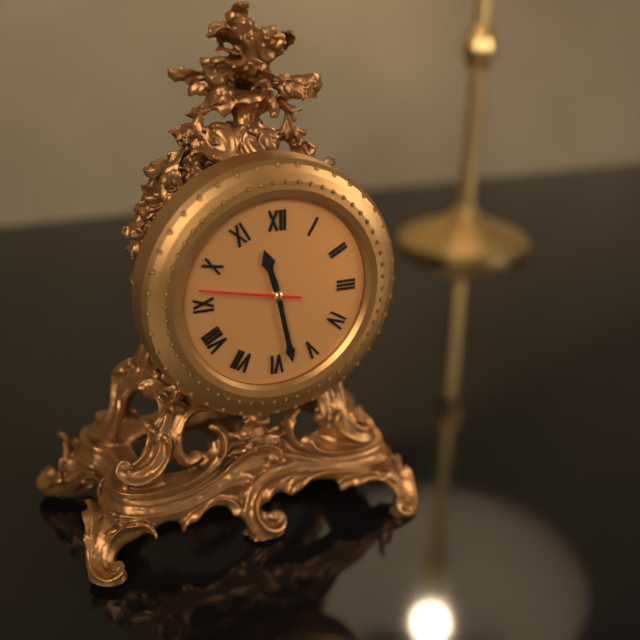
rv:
11h28m47s
